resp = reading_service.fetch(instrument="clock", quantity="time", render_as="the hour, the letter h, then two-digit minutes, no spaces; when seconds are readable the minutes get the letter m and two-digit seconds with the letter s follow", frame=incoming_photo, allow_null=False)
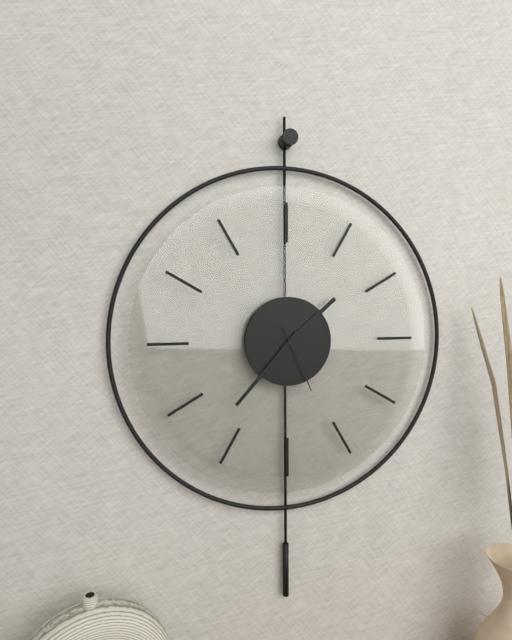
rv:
1h37m26s
